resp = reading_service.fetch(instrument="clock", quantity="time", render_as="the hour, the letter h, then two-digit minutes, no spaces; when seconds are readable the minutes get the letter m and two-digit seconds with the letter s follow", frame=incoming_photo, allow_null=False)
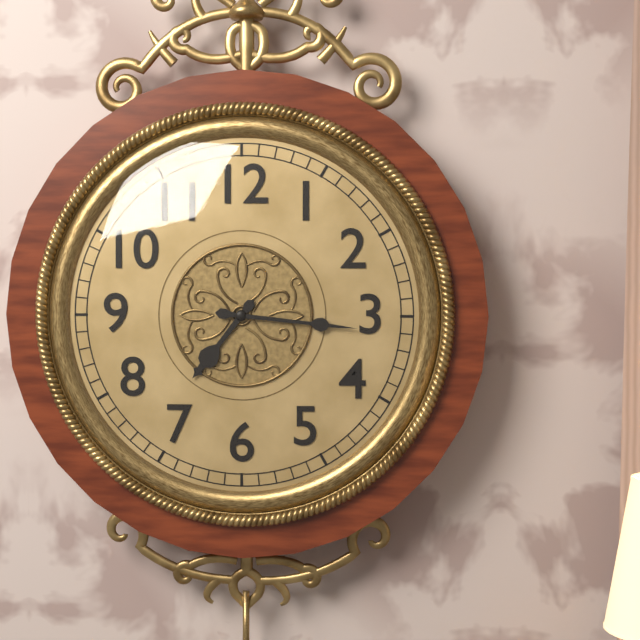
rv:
7h16
